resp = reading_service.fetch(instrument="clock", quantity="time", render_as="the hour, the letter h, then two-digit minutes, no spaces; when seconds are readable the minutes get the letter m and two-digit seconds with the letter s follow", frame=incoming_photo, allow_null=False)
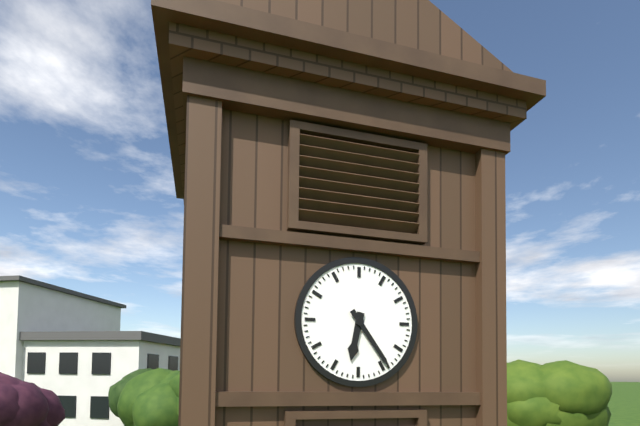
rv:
6h24
